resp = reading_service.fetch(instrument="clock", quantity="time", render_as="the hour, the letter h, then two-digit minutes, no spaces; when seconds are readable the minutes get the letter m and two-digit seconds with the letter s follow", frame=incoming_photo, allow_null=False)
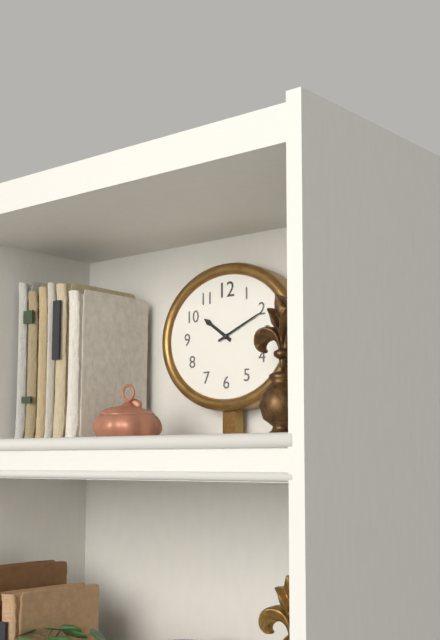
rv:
10h11
